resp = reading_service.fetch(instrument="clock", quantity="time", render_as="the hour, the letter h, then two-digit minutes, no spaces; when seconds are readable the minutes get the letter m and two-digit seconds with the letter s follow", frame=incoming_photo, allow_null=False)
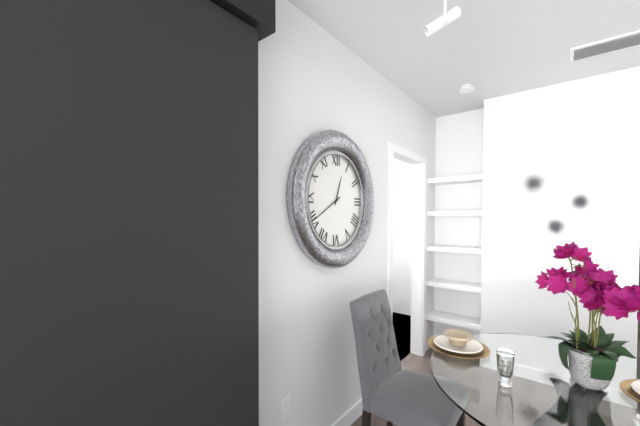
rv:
12h40
